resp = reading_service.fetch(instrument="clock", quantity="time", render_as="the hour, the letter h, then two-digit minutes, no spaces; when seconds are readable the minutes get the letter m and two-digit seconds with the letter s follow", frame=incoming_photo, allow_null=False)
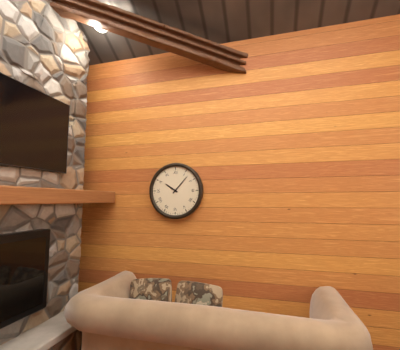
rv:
10h07
